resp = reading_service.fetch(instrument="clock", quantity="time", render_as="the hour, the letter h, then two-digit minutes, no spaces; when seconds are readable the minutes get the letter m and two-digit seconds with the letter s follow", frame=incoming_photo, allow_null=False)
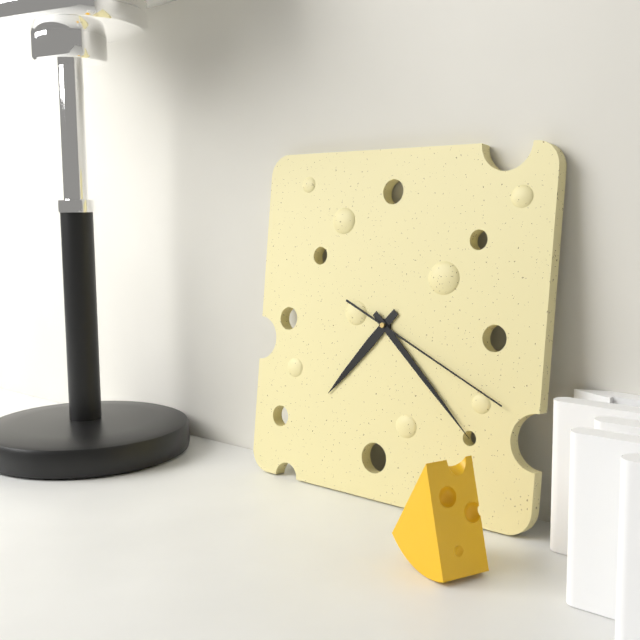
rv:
7h22m19s
